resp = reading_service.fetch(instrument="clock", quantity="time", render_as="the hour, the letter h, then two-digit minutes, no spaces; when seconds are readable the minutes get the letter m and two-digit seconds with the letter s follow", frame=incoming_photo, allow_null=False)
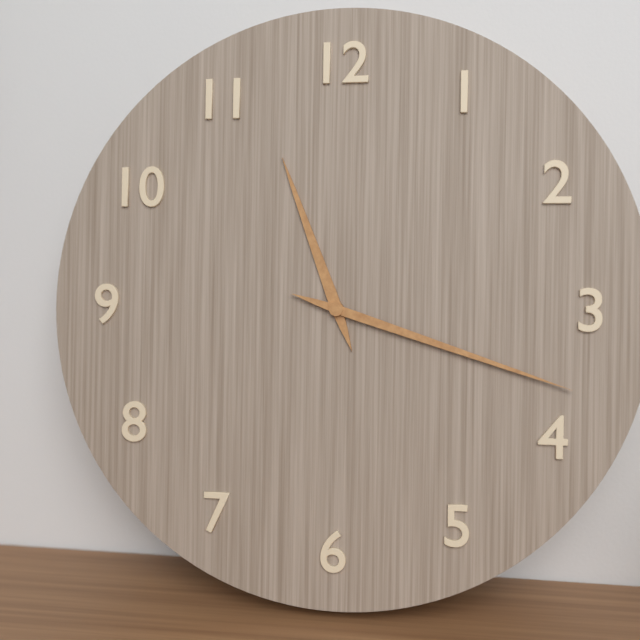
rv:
11h18
